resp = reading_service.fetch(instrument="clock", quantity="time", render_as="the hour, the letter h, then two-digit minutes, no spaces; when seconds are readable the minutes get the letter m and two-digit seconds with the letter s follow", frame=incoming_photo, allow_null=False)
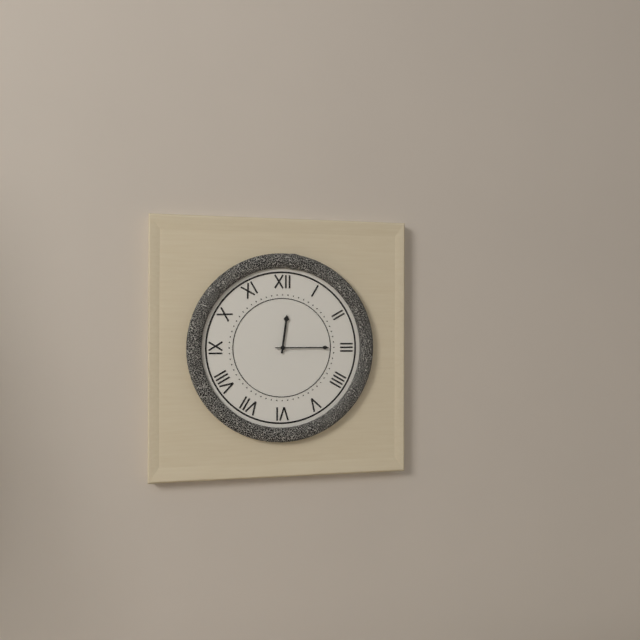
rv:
12h15
